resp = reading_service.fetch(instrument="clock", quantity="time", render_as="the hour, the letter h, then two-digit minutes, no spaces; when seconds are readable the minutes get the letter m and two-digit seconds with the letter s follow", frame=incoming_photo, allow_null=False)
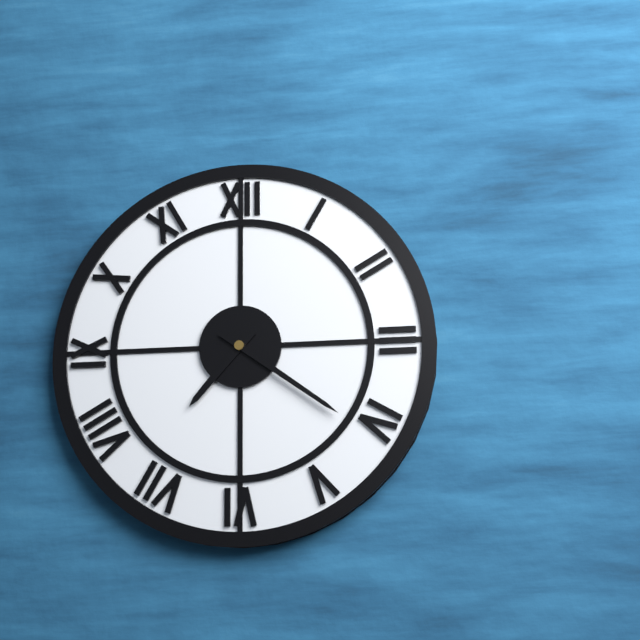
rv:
7h21
